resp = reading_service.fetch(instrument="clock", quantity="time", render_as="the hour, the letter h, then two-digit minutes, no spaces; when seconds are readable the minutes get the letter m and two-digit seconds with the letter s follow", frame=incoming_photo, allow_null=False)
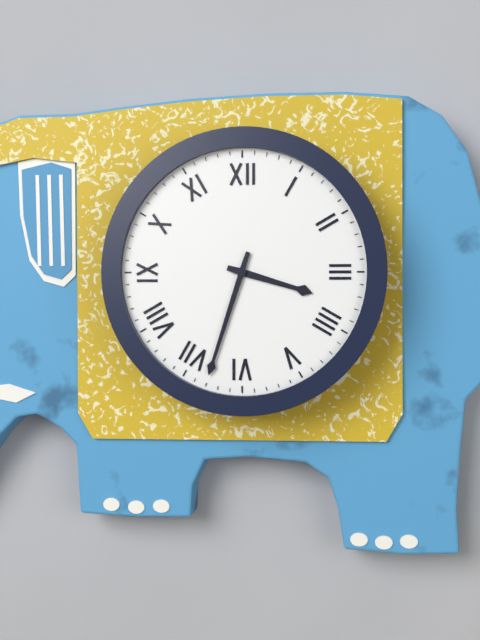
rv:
3h33
